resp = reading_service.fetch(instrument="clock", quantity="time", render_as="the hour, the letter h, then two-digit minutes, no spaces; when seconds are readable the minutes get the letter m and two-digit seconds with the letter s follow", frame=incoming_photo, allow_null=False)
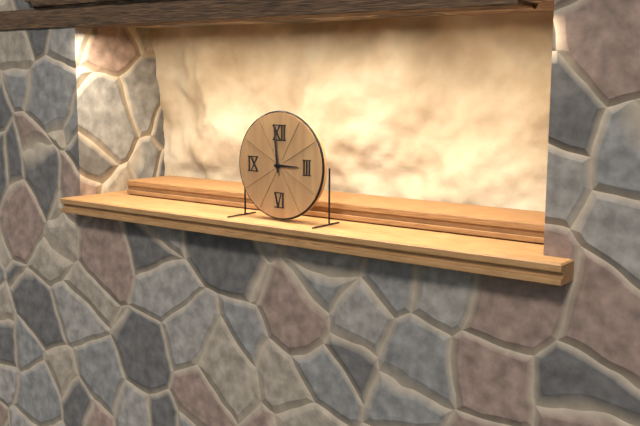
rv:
2h59
